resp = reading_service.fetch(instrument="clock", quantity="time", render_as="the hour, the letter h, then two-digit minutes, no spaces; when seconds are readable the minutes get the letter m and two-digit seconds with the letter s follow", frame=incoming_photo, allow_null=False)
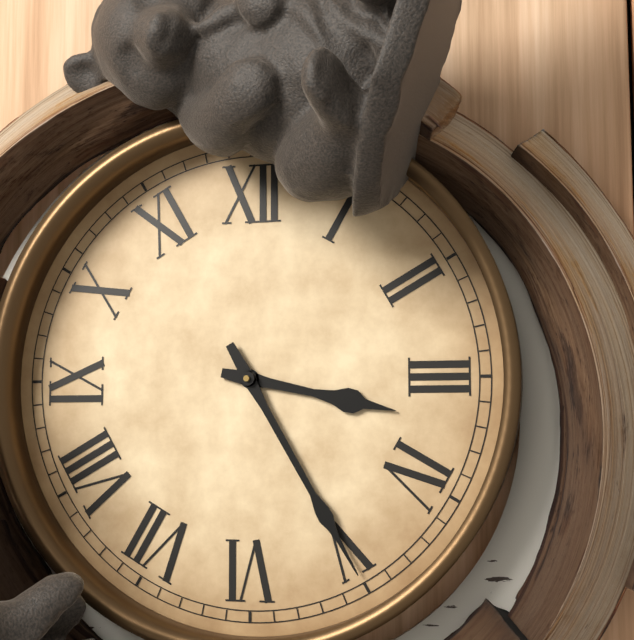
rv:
3h25
